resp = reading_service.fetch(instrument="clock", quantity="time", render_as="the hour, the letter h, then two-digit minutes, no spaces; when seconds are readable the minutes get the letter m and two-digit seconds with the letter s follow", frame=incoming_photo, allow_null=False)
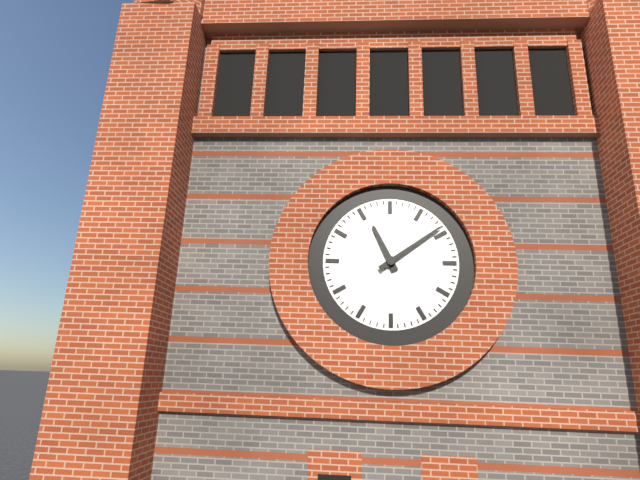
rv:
11h09
